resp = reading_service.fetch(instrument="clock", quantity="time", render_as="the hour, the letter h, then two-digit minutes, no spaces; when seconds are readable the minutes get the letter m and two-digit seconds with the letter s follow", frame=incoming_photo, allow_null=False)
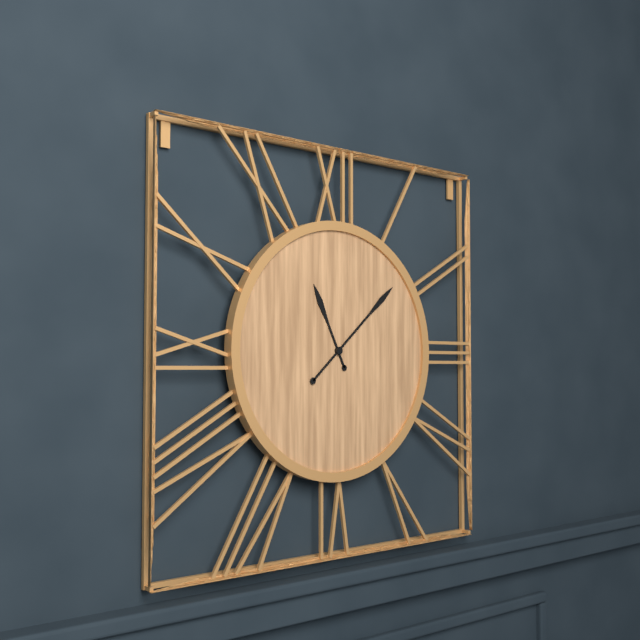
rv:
11h08
